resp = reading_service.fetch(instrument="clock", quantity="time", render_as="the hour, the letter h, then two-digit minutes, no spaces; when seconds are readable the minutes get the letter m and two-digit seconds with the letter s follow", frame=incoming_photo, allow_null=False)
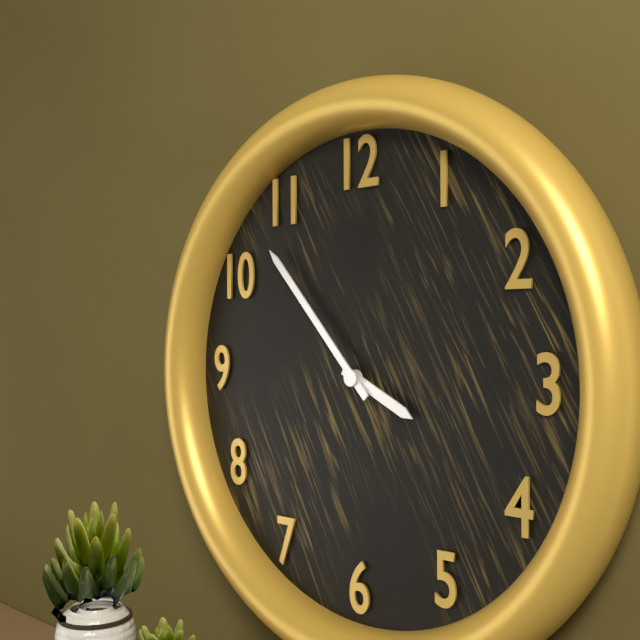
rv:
3h53
